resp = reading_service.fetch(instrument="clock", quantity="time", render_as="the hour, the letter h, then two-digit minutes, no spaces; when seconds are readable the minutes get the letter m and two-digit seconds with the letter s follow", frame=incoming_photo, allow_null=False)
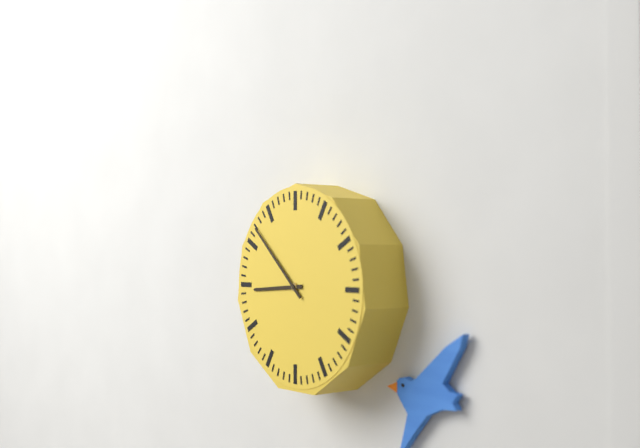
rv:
8h52
